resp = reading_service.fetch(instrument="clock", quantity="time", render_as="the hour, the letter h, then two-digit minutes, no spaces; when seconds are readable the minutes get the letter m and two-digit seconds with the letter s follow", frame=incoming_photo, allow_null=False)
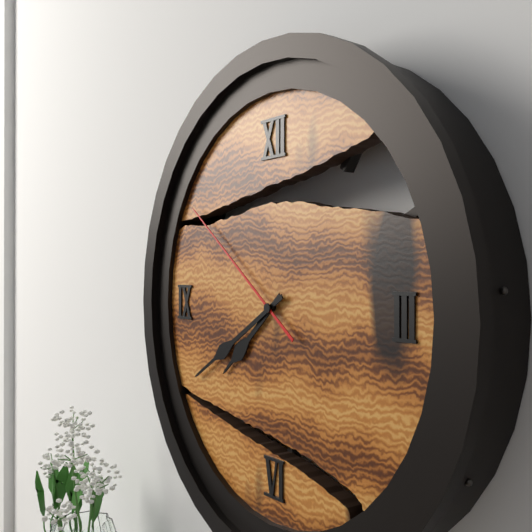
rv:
7h40m51s
